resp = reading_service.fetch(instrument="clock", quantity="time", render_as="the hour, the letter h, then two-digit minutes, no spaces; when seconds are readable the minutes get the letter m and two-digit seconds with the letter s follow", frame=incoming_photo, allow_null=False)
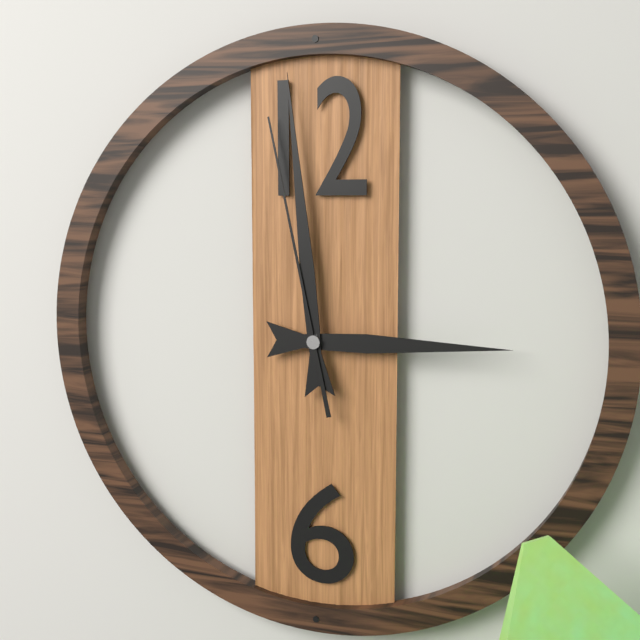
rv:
2h59m58s
